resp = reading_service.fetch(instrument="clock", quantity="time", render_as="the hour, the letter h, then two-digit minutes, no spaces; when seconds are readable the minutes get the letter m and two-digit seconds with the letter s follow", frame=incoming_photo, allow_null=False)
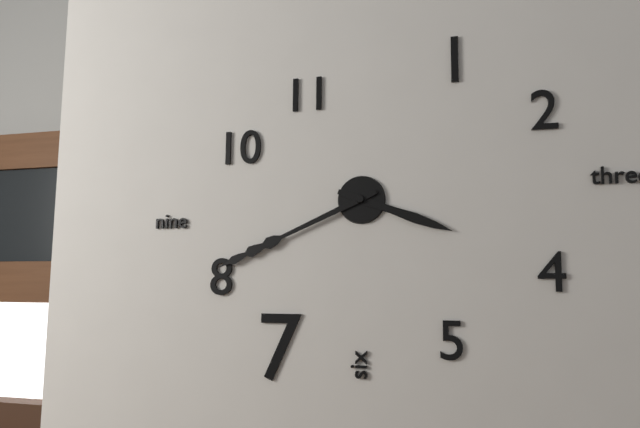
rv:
3h41
